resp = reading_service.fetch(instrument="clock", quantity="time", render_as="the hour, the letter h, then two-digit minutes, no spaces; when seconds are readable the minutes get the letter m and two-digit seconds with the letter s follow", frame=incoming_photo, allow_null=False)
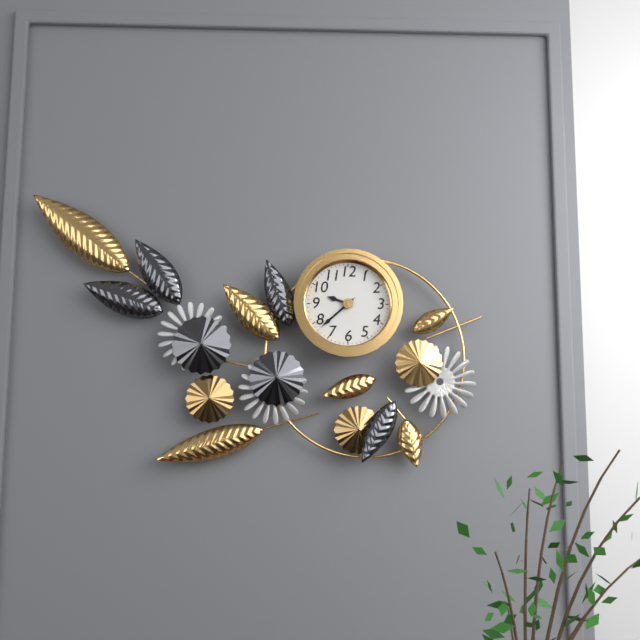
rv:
9h38
